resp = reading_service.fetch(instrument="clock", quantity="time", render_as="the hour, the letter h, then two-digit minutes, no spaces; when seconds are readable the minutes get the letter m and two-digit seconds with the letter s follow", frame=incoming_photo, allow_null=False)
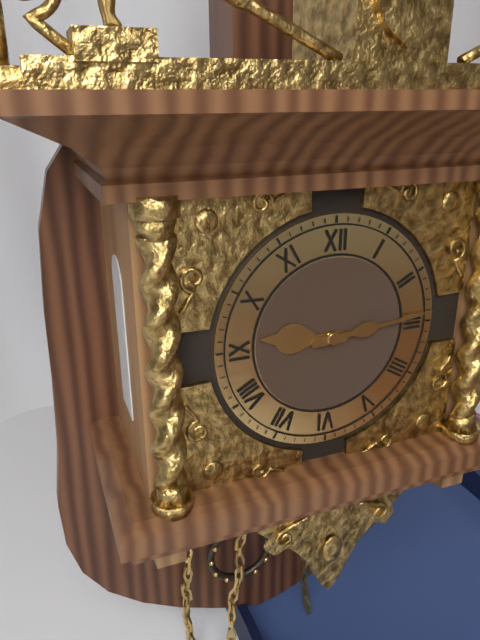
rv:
9h14
